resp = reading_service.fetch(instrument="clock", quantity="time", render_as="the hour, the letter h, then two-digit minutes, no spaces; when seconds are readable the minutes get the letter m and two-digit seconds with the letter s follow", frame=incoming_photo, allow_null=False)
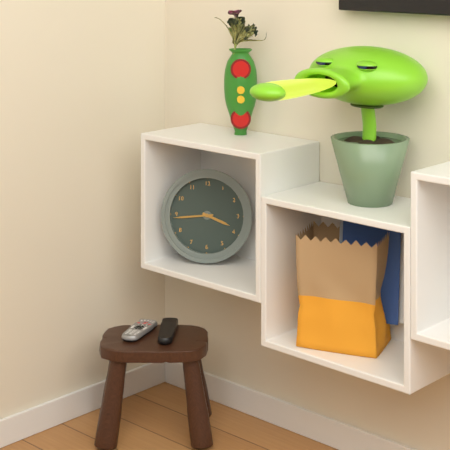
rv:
3h44
